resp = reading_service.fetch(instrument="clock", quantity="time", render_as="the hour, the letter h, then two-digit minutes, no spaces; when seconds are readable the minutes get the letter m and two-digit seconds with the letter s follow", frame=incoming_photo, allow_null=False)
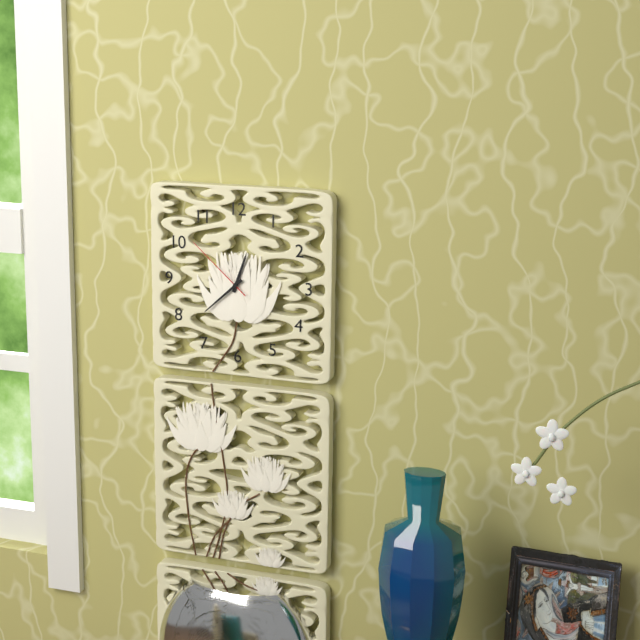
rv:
12h38m52s
